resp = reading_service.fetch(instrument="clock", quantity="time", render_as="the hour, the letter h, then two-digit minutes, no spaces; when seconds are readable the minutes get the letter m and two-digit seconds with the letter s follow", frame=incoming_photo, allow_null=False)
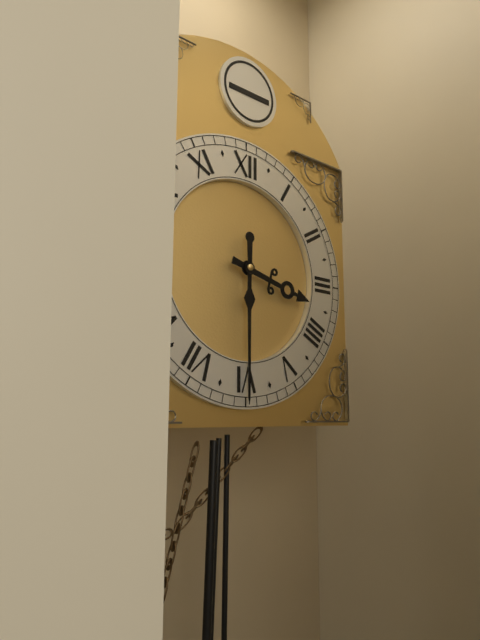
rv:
3h30
